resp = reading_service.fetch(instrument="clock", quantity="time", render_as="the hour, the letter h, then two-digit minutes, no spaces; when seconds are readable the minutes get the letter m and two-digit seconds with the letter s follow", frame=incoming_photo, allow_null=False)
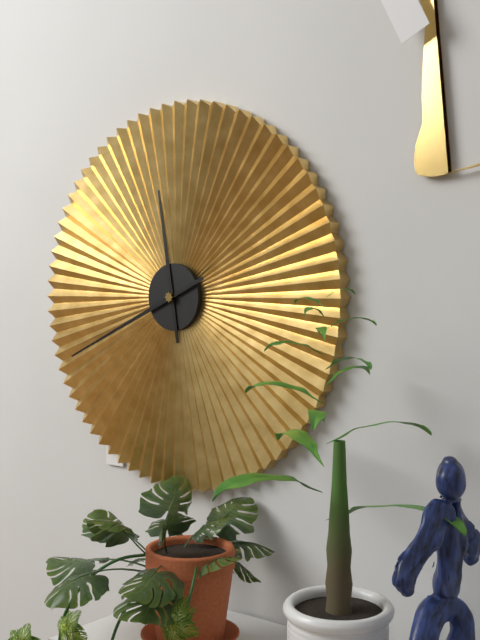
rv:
11h41
